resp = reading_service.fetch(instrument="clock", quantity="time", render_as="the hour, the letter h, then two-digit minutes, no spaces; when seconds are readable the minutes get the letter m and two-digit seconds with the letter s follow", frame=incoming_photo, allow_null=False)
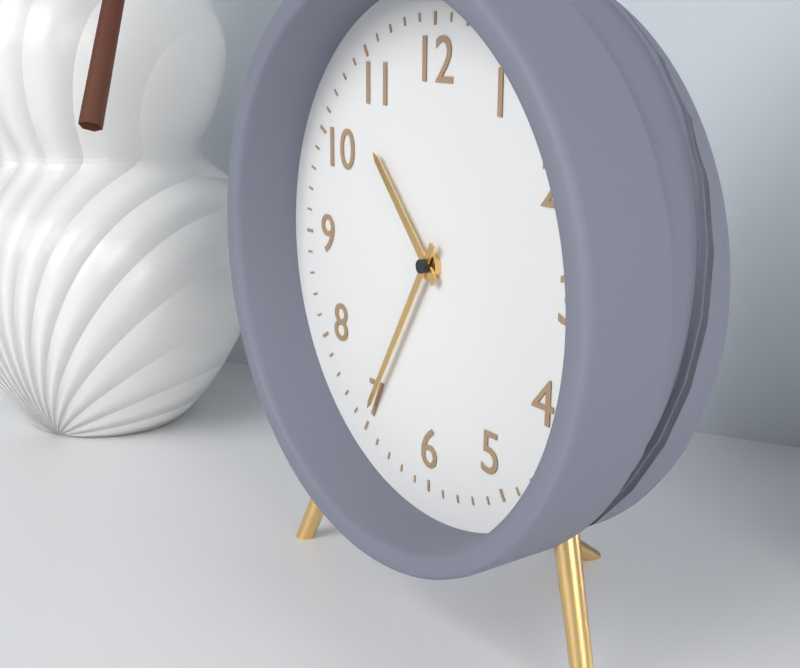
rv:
10h35
